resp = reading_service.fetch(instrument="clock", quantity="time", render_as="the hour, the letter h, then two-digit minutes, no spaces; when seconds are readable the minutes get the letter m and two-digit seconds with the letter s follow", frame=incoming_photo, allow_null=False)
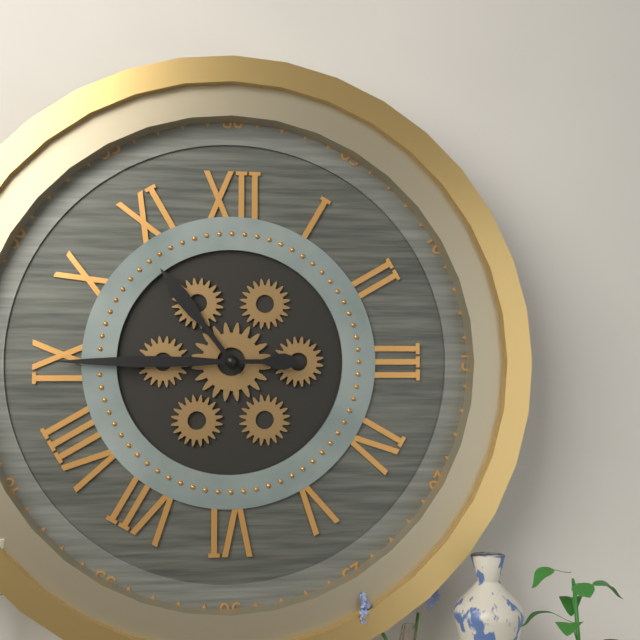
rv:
10h45
